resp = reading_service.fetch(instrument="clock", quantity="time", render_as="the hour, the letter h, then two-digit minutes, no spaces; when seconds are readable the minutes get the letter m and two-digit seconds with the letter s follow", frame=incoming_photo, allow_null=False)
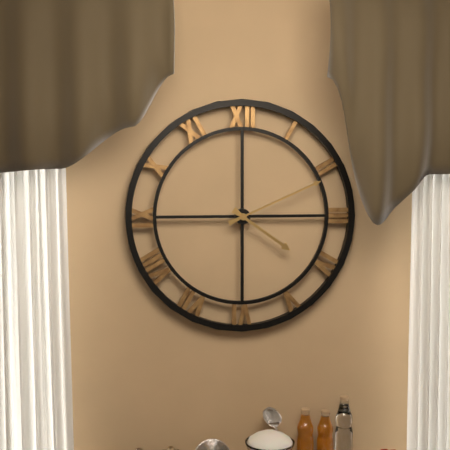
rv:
4h11
